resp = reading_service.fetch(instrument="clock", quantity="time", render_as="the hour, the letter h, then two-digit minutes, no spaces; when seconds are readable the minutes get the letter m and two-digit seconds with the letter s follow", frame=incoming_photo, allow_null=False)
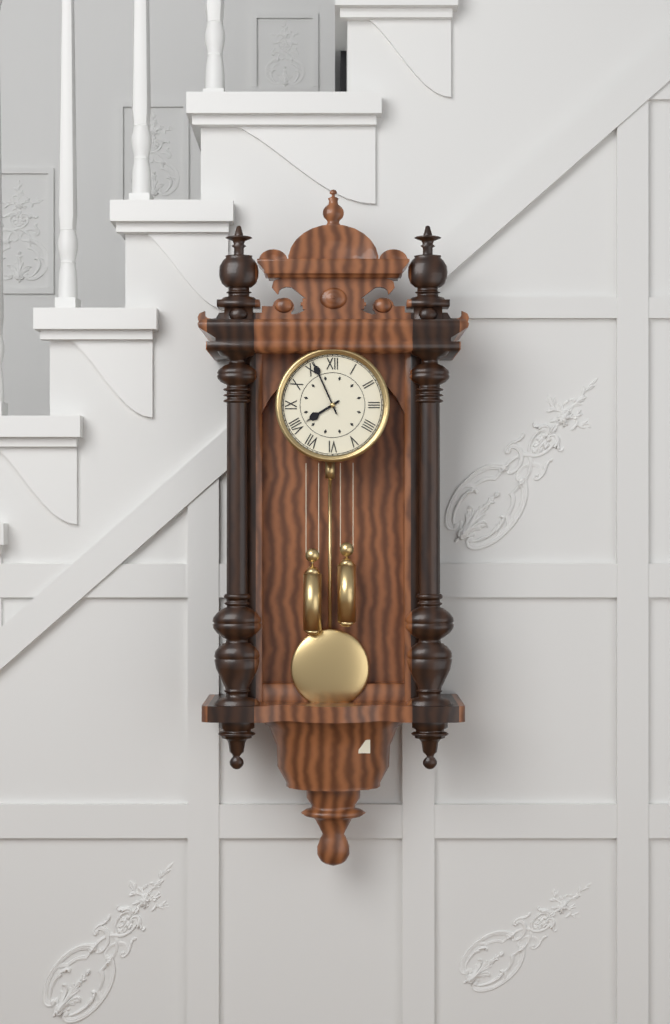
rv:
7h56
